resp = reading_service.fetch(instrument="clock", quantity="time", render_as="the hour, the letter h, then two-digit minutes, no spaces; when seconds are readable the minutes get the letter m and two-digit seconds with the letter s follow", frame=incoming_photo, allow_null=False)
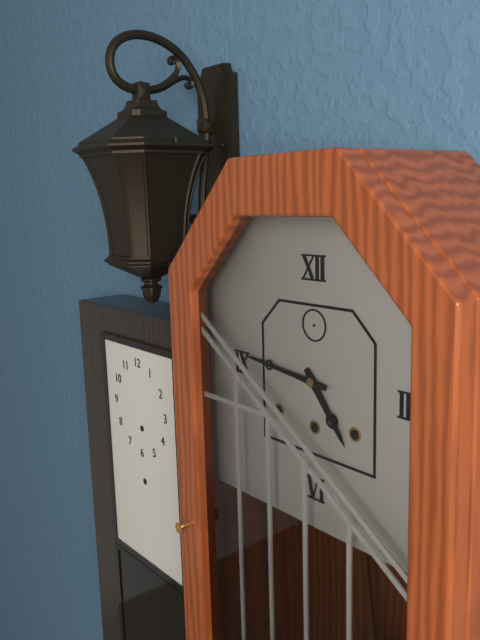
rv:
4h46
